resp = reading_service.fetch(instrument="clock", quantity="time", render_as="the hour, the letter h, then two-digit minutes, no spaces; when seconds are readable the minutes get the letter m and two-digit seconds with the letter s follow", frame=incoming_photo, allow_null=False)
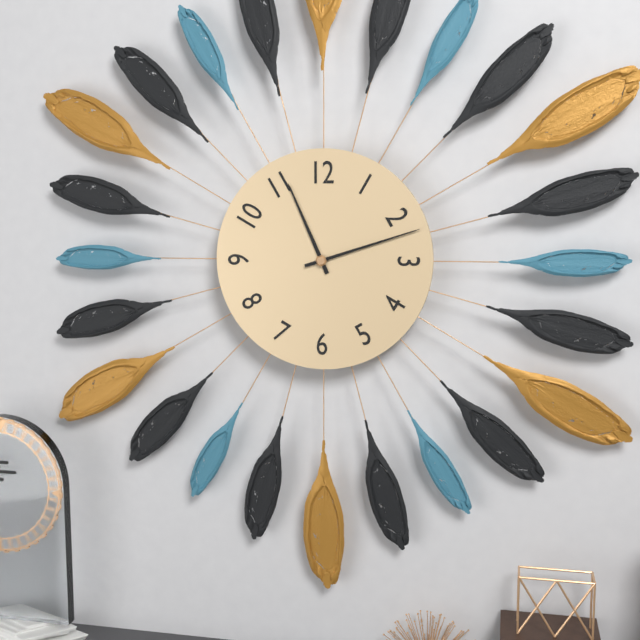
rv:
11h12
